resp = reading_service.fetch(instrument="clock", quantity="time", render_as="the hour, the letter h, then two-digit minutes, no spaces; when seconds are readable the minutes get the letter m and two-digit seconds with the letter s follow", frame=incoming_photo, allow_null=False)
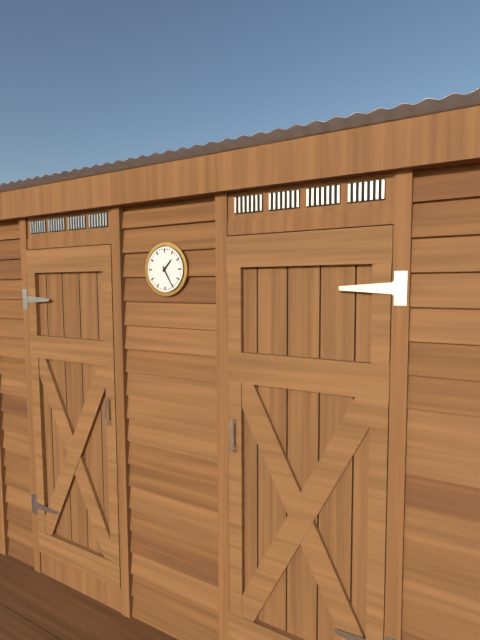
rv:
1h25
